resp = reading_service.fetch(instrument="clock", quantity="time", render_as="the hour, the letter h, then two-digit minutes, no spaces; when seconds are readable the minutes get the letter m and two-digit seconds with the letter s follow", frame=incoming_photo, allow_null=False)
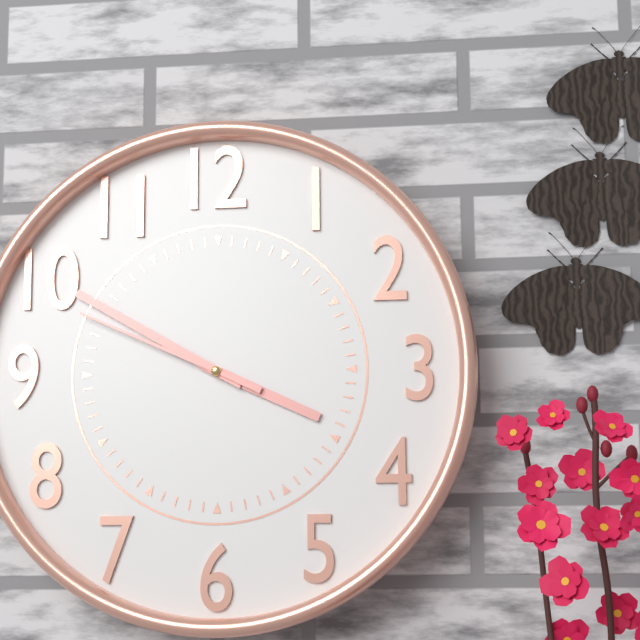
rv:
3h50m49s
